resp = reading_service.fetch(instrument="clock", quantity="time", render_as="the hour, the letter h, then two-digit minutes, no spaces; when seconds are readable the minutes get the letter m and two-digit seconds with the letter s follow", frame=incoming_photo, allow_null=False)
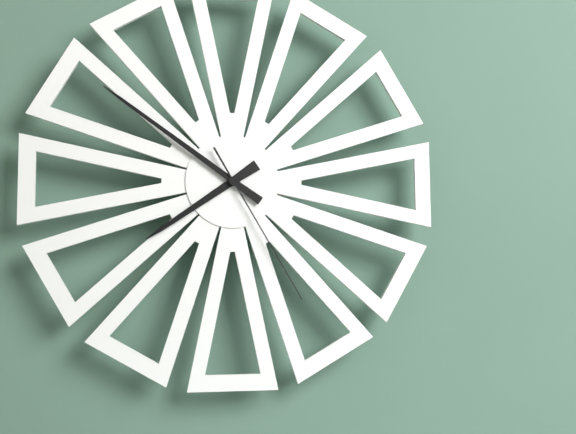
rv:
7h51m25s
